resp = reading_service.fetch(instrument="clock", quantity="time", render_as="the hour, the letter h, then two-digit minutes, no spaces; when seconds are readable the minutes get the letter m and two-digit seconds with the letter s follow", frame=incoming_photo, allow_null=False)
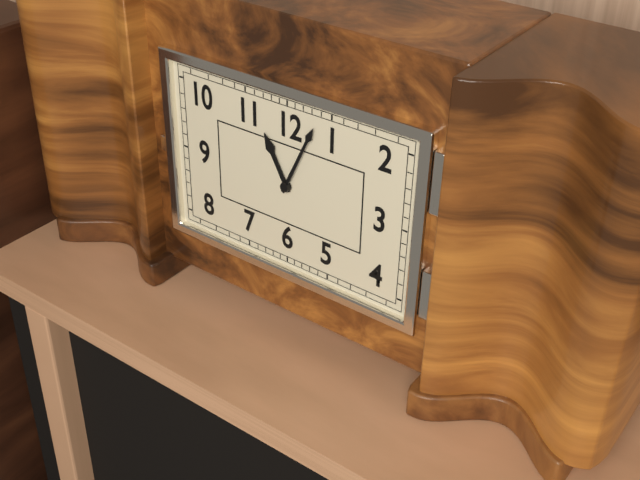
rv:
11h04
